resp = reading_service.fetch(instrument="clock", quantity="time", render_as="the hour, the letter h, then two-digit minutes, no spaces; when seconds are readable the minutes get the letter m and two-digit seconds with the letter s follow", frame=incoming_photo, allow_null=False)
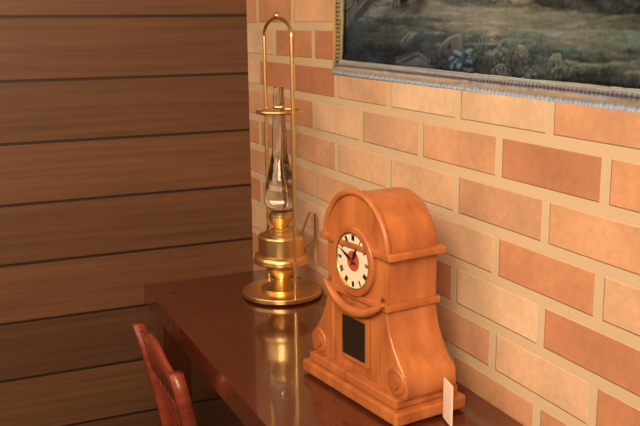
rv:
12h49
